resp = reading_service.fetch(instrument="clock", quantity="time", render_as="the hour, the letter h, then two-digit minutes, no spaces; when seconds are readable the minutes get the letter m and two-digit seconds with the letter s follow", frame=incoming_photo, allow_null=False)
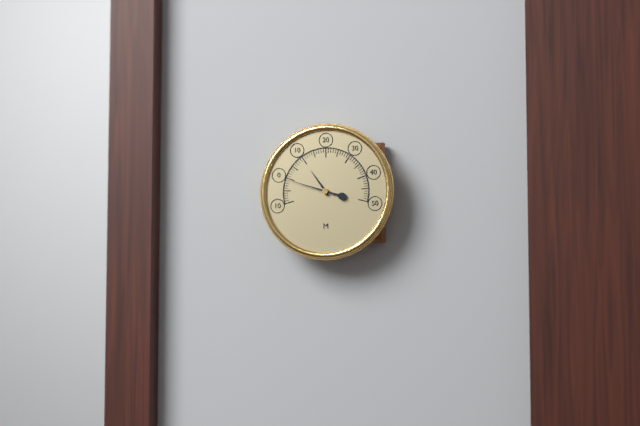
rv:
10h48
